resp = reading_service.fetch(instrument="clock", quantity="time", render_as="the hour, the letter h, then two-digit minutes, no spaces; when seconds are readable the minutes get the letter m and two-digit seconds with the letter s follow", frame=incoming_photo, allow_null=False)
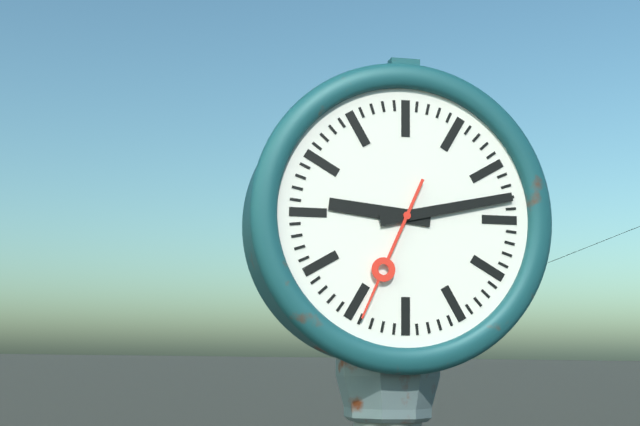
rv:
9h13m34s
